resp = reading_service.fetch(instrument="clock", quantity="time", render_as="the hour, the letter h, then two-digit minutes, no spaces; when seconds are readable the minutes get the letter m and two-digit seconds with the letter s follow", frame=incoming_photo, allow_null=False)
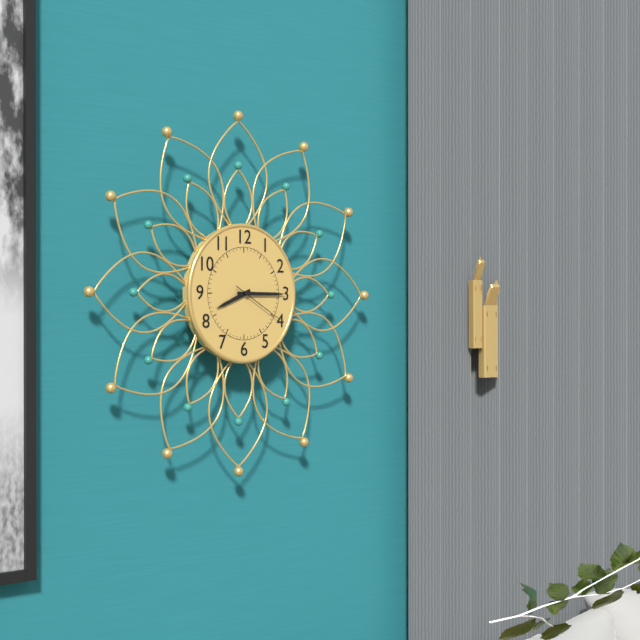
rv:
8h15m20s
